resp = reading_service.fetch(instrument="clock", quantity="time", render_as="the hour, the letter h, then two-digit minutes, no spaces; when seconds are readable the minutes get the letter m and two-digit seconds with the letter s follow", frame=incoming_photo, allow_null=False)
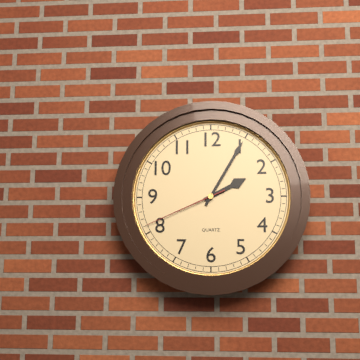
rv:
2h05m41s
